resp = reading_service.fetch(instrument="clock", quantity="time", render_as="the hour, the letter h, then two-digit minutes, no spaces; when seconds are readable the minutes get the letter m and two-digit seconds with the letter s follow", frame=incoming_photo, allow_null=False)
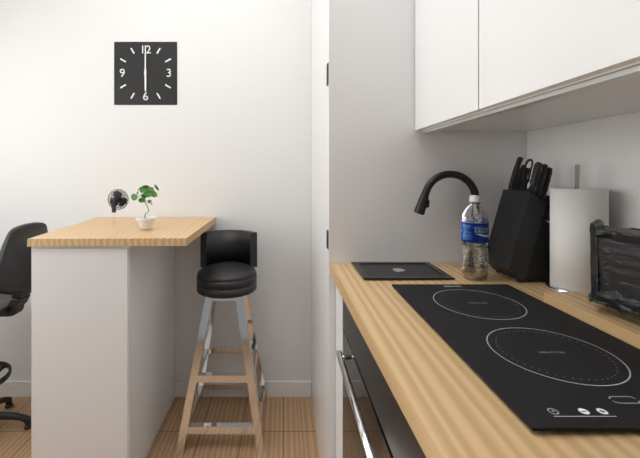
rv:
6h00
